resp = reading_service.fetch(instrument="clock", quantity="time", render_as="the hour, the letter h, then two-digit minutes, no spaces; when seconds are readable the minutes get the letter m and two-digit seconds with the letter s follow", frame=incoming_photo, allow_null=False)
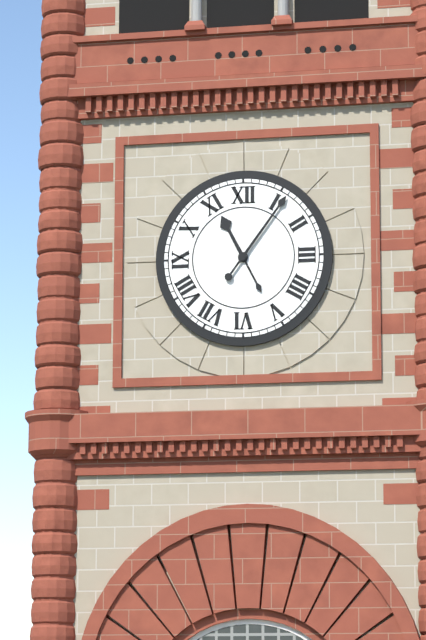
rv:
11h06
